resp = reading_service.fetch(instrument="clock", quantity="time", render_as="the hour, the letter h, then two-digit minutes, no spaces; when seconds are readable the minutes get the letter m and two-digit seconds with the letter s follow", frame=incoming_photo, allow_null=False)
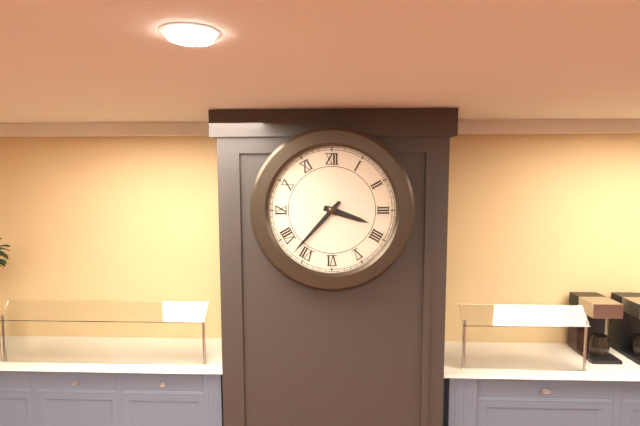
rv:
3h37
